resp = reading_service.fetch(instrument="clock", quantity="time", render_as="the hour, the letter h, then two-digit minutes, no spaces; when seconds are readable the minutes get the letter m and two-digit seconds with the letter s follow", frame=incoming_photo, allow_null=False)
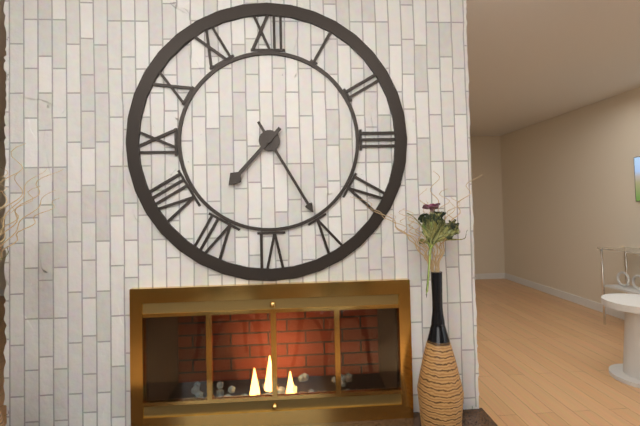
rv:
7h25
